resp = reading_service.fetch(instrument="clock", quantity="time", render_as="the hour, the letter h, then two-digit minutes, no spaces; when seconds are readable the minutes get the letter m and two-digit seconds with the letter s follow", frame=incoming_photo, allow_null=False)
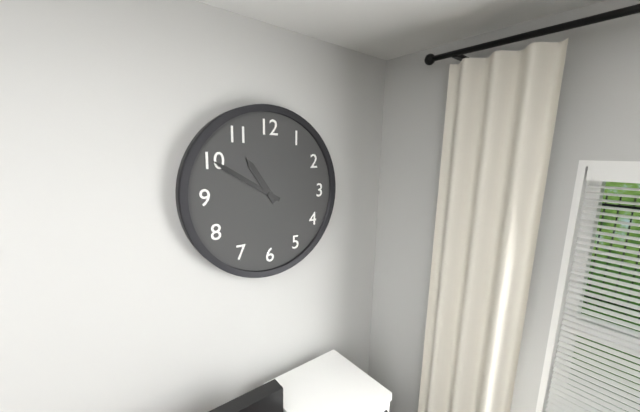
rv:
10h50
